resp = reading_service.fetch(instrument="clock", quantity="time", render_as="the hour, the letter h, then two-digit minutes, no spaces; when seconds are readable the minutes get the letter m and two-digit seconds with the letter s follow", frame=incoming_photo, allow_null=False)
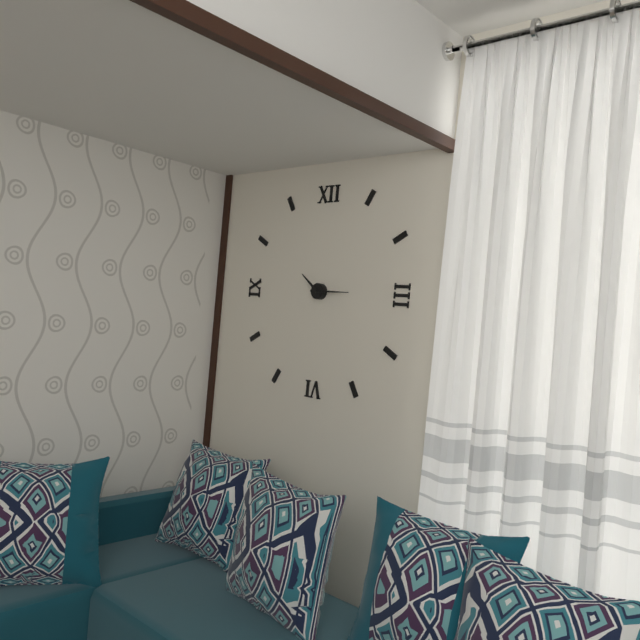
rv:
10h15
